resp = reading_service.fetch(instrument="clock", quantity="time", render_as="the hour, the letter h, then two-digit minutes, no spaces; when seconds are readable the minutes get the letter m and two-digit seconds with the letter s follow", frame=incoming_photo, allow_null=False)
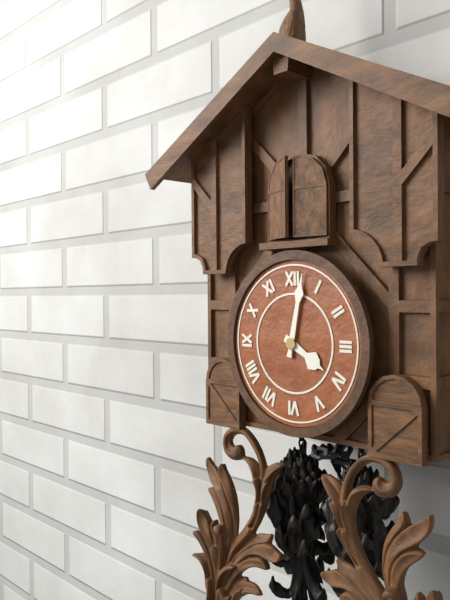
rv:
4h02
